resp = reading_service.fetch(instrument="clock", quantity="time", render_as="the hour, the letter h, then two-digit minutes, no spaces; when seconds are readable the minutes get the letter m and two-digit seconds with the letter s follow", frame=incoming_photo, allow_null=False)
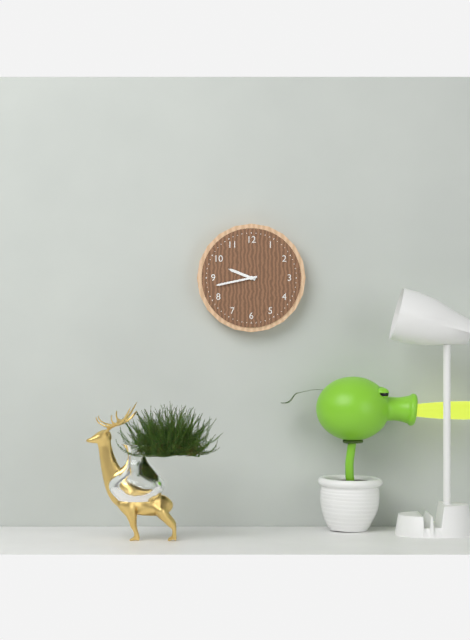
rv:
9h43
